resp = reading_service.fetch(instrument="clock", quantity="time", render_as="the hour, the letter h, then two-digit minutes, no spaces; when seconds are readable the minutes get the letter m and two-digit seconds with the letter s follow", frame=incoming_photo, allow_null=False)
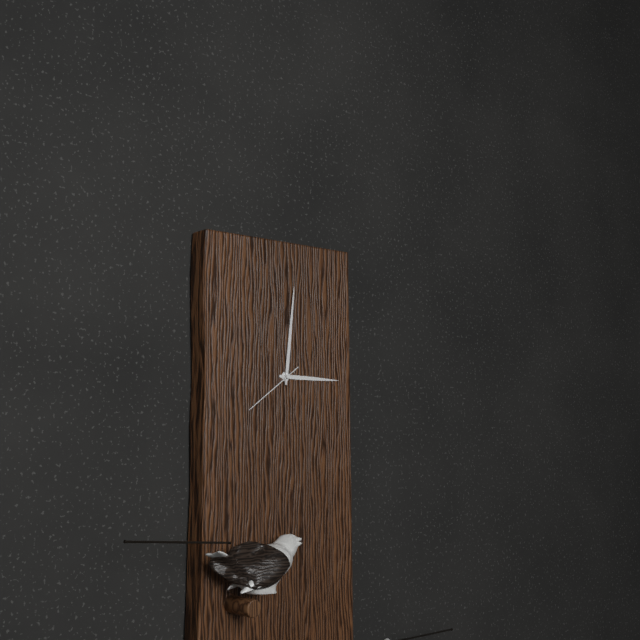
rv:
3h01m39s
